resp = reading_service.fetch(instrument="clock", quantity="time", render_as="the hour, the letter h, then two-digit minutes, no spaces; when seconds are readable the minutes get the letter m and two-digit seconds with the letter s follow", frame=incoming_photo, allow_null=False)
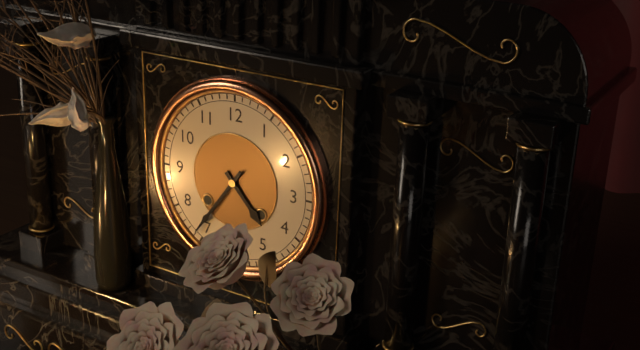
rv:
4h36
